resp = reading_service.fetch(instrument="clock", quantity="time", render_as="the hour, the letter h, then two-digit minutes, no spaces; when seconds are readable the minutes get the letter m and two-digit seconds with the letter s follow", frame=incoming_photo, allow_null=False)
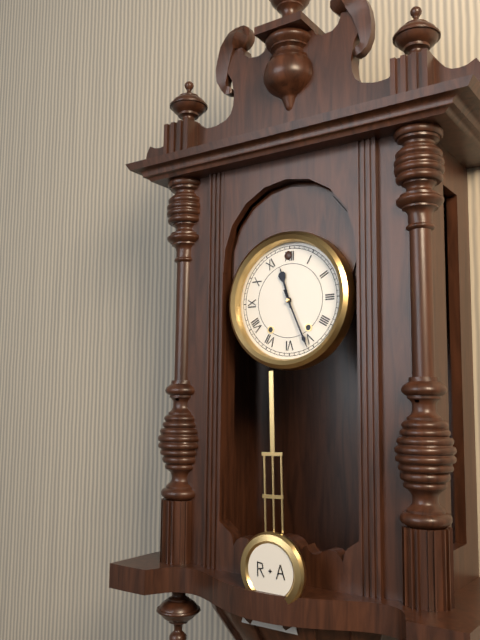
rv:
11h26
